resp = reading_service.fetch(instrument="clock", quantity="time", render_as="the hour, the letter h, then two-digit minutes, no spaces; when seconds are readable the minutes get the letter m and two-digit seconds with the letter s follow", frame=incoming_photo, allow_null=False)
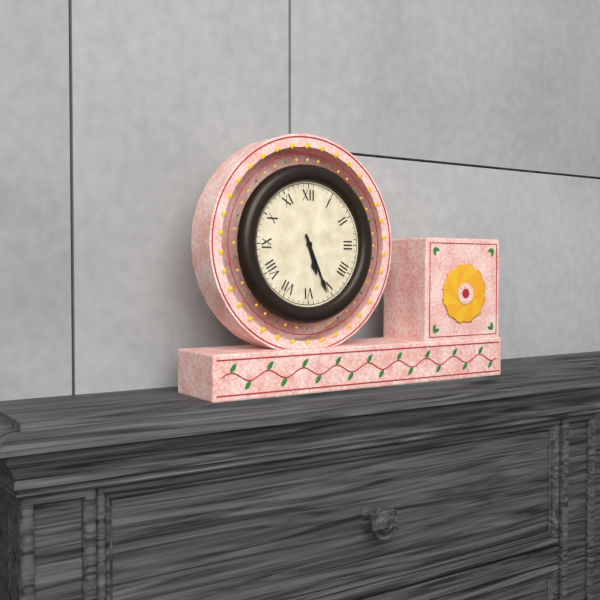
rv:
5h26
